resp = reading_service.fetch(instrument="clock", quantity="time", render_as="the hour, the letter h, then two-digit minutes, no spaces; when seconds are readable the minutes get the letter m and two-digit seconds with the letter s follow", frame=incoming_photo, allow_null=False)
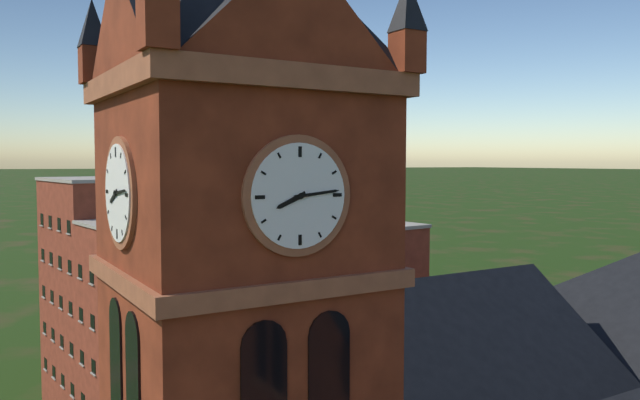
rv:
8h14
